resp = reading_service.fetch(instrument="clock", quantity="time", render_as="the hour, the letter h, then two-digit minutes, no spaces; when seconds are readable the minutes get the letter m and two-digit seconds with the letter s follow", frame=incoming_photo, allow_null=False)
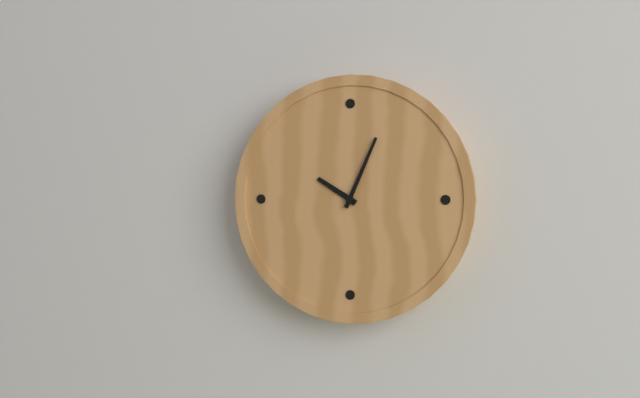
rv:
10h04
